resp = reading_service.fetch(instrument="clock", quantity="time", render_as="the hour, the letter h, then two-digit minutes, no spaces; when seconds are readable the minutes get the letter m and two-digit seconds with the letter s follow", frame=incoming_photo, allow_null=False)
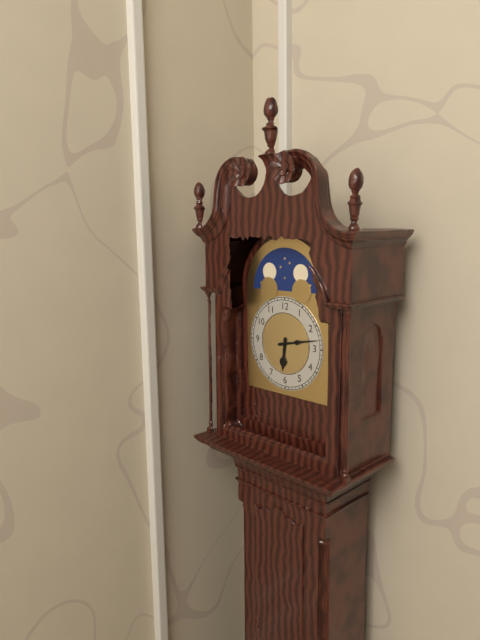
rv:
6h13
